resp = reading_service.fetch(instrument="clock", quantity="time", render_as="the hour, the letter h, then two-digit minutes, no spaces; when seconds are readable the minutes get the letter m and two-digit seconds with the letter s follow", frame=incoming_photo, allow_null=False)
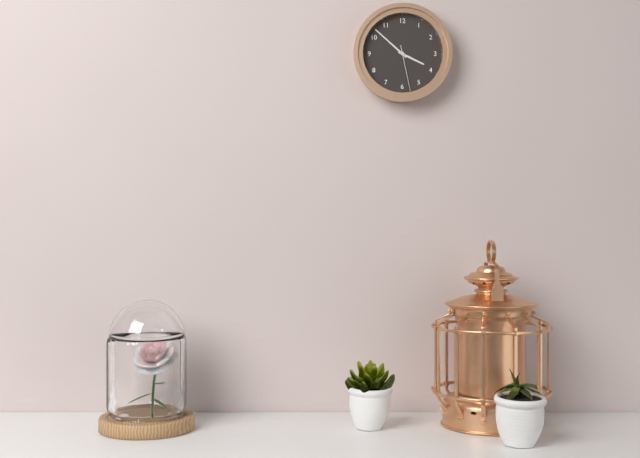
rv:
3h52
